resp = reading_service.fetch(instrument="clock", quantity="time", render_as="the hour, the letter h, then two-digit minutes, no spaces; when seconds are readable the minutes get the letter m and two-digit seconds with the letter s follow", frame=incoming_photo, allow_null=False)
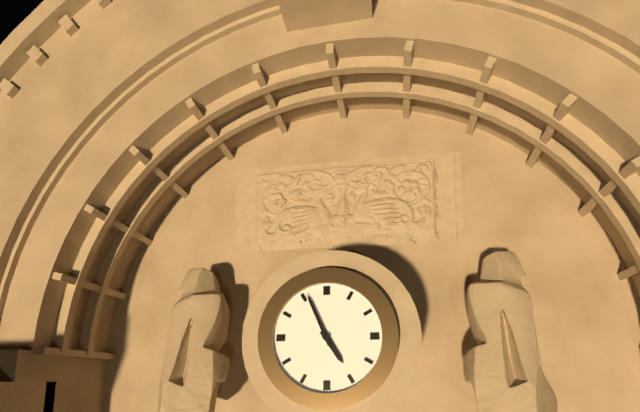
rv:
4h56
